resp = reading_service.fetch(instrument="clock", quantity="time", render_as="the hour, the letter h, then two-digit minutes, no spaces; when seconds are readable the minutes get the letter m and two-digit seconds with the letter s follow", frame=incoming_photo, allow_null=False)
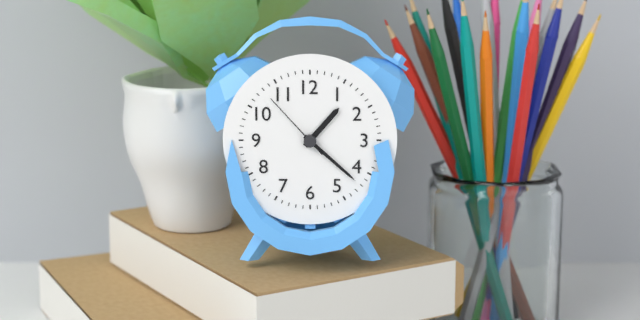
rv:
1h22m53s
